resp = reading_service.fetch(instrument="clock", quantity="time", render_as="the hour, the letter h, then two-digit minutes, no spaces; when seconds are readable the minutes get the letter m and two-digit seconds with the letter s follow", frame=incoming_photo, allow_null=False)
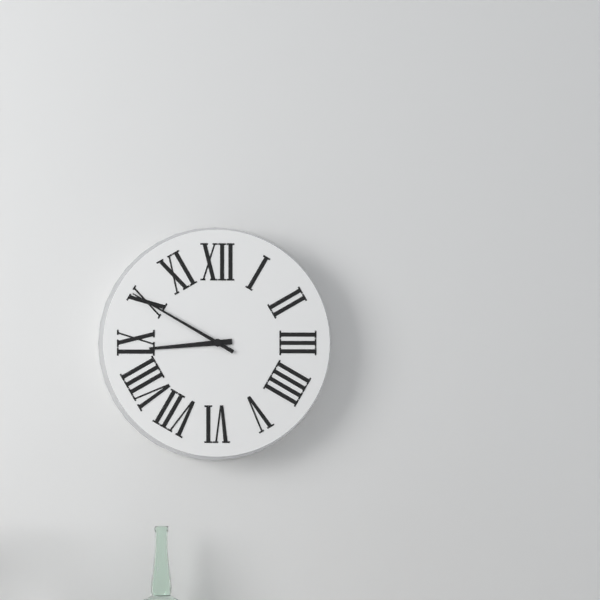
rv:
8h50
